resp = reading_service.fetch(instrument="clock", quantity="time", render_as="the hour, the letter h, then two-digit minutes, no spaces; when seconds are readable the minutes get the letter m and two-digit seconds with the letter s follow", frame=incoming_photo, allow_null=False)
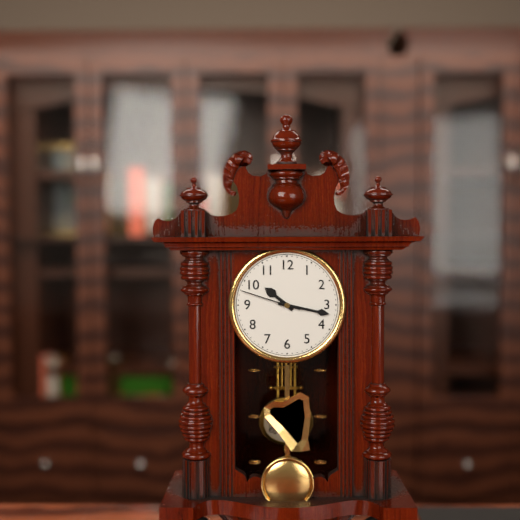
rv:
10h17m48s
